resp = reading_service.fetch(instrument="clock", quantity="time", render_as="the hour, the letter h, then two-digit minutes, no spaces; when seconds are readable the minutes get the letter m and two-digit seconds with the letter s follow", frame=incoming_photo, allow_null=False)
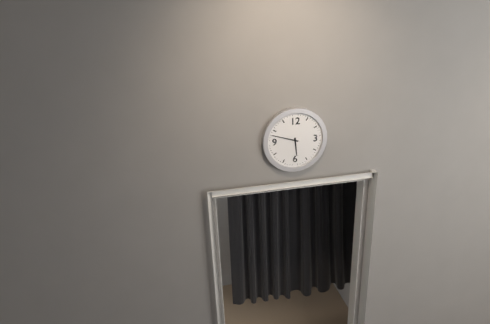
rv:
5h48
